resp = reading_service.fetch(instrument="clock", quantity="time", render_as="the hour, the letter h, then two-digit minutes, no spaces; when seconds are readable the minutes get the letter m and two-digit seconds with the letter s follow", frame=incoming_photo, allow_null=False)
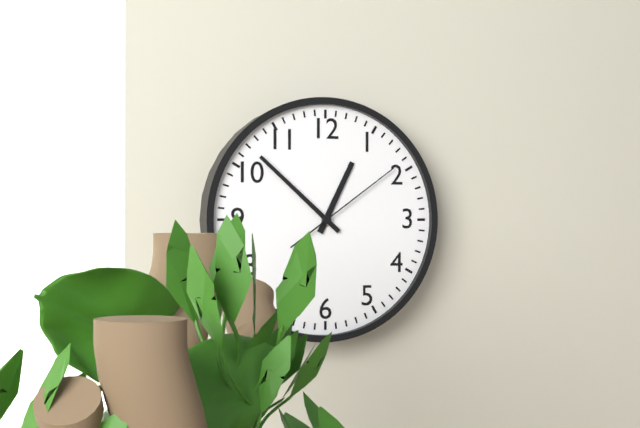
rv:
12h52m09s
